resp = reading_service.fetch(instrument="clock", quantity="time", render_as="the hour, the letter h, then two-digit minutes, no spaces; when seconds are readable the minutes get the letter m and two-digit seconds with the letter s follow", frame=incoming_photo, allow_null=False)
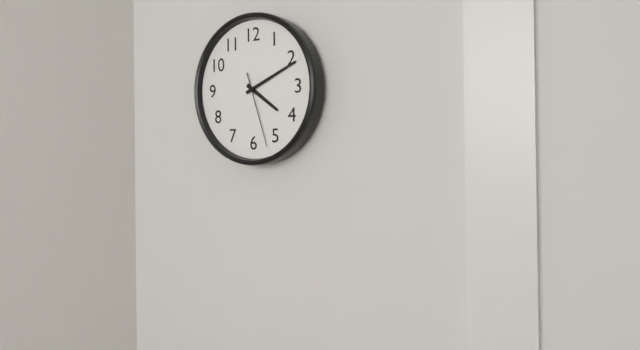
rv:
4h11m27s
